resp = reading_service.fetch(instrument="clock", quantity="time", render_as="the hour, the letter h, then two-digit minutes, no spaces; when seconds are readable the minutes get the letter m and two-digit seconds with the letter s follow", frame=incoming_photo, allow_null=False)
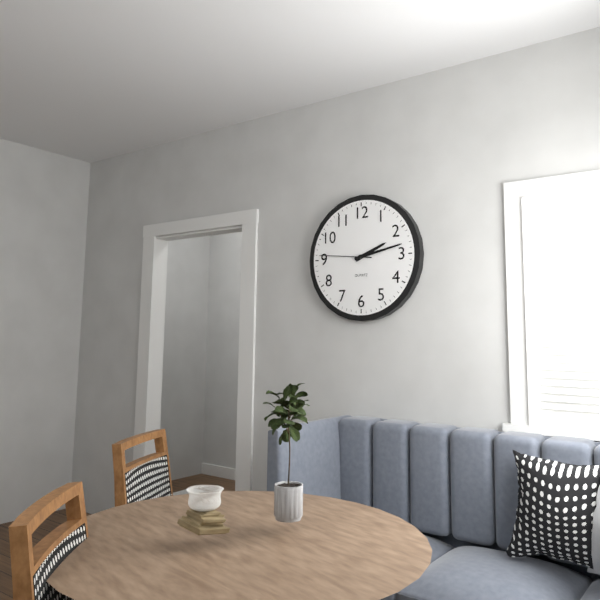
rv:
2h13m46s
